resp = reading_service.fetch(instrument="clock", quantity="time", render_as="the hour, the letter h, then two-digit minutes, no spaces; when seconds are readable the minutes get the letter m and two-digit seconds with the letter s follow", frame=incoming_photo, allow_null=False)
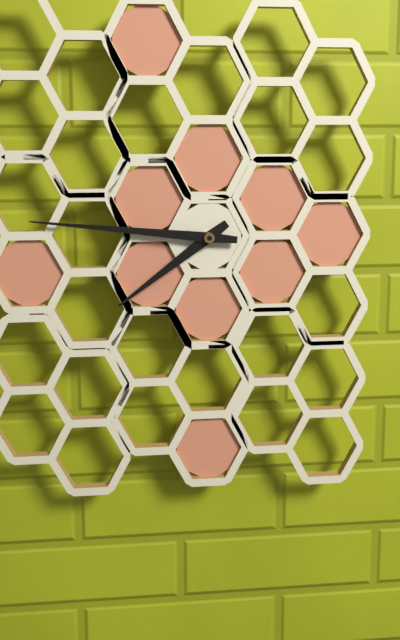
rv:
7h46
